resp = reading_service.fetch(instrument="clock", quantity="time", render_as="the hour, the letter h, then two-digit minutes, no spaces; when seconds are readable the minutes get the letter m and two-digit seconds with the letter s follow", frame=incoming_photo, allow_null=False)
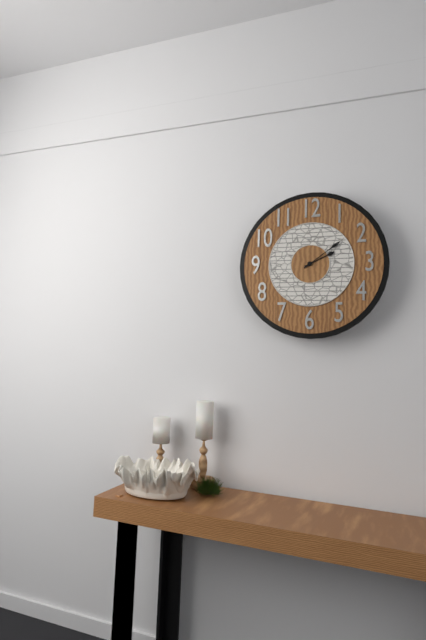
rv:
2h09
